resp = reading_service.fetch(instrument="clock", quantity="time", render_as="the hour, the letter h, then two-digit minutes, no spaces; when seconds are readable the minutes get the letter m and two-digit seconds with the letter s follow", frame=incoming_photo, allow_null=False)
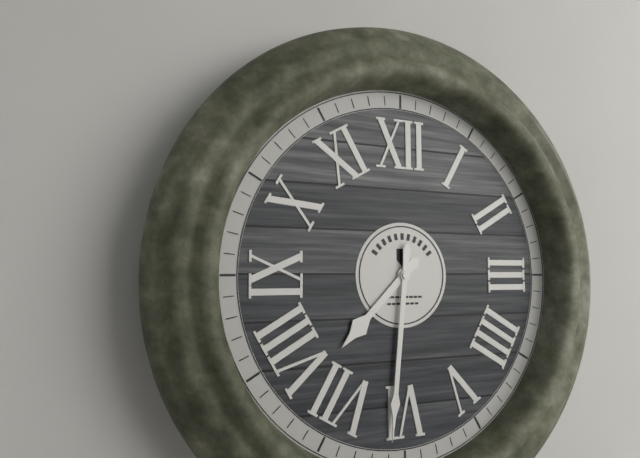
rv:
7h31
